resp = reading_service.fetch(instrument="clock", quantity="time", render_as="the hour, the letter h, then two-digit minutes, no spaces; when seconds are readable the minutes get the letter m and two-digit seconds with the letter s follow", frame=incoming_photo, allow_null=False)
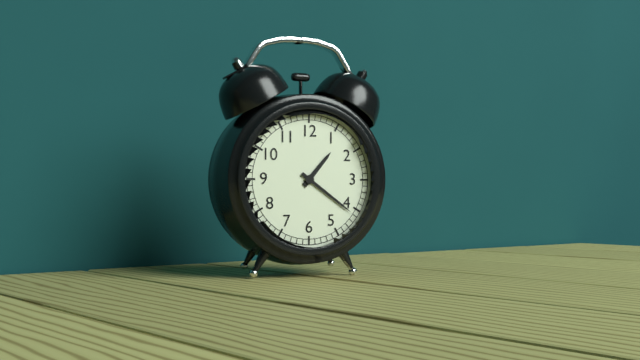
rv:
1h21
